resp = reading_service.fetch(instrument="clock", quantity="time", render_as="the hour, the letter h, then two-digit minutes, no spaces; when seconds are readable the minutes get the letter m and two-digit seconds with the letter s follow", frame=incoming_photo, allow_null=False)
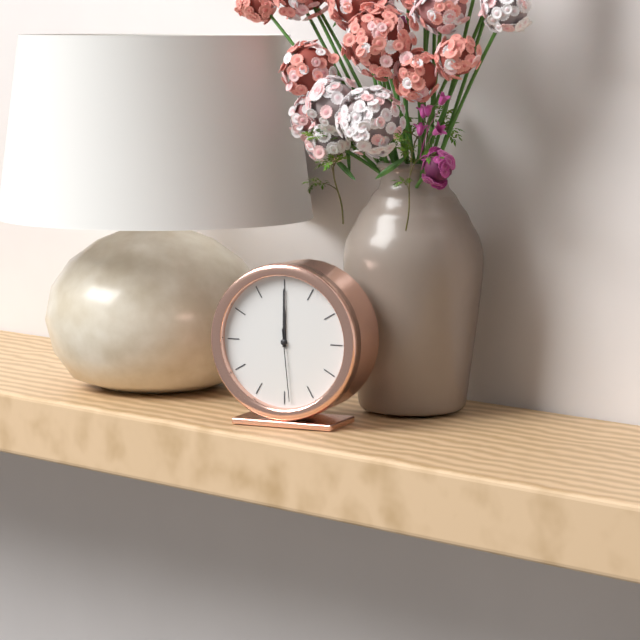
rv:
12h00m29s
